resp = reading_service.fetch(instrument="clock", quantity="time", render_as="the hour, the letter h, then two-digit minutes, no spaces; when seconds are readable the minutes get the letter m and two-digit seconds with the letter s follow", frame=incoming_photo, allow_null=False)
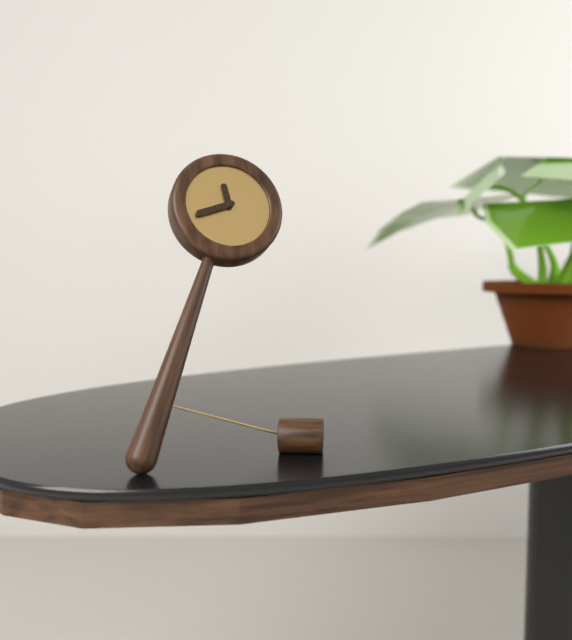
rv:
11h42
